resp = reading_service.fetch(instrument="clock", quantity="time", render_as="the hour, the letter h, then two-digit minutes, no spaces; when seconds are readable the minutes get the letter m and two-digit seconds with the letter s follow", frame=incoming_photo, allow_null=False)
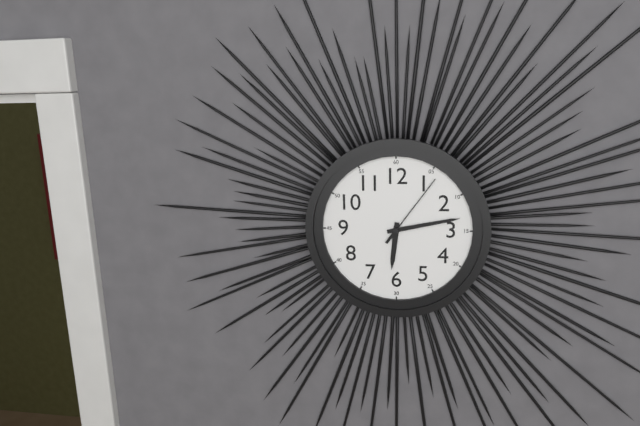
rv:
6h13m06s
